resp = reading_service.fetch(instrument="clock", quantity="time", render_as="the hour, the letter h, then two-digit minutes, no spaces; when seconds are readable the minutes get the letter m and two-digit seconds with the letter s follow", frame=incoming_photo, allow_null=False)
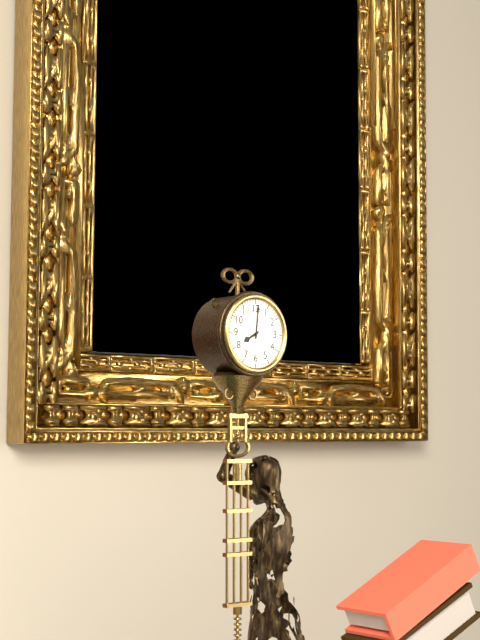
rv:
8h01
